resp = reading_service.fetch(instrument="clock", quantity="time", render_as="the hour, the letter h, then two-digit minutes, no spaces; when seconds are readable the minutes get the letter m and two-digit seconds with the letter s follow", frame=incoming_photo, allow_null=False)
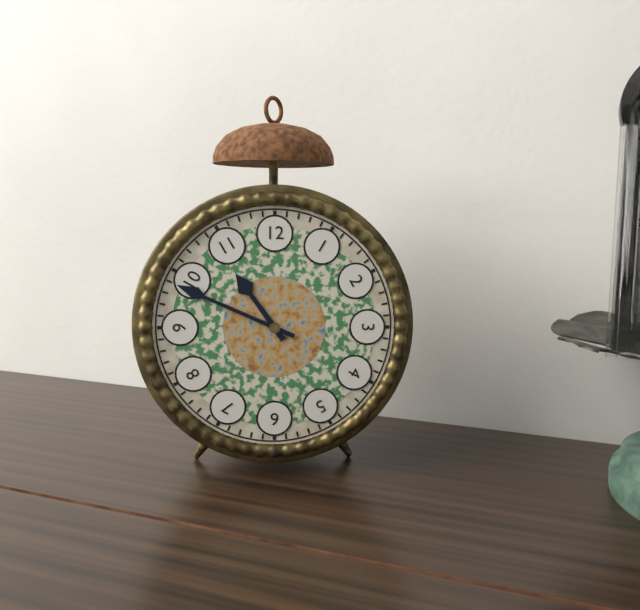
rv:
10h49
